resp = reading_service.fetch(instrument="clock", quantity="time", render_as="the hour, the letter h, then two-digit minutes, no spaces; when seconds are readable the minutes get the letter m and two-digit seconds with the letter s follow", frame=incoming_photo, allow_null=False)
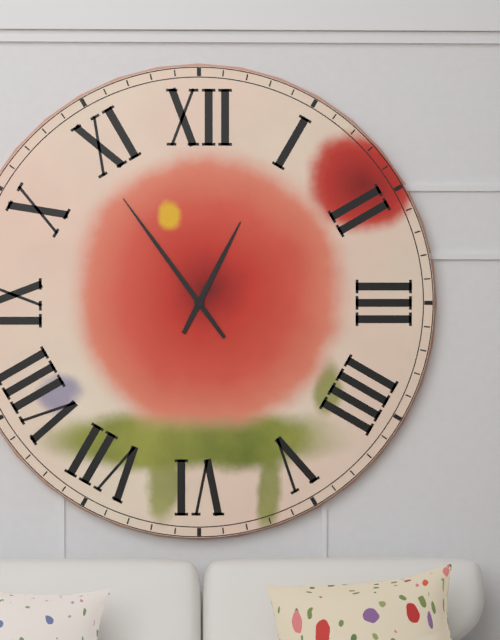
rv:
12h54
